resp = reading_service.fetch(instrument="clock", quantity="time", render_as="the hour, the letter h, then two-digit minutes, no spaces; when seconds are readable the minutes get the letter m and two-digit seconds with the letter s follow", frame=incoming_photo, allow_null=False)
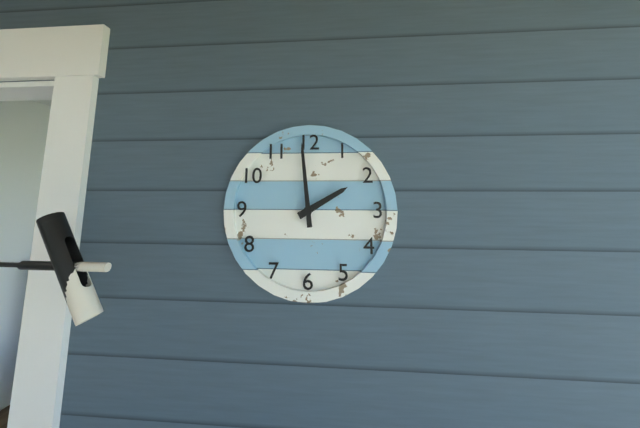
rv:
1h59
